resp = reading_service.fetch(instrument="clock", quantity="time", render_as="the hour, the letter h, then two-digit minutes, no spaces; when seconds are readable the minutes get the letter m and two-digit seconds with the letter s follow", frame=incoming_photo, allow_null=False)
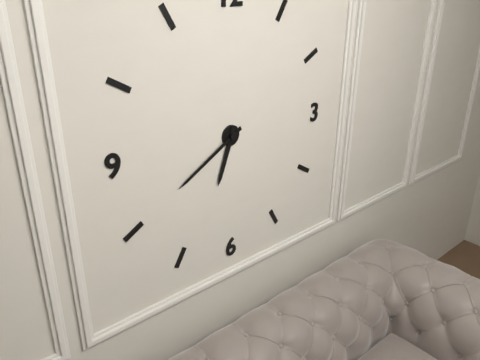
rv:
6h40
